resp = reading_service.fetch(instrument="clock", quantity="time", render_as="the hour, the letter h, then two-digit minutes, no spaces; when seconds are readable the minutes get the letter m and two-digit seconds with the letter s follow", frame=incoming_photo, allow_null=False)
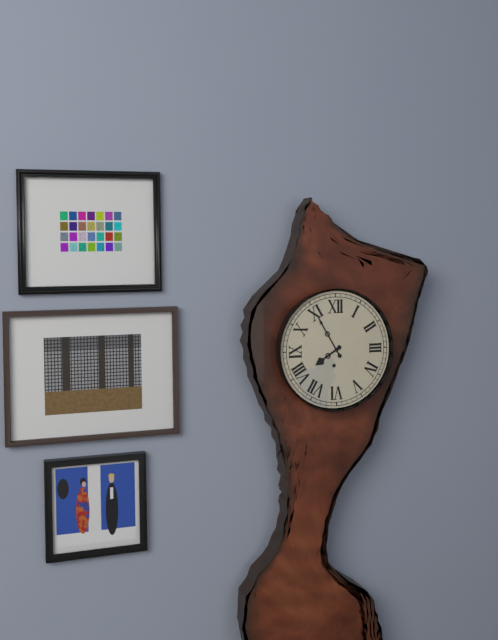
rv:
7h55
